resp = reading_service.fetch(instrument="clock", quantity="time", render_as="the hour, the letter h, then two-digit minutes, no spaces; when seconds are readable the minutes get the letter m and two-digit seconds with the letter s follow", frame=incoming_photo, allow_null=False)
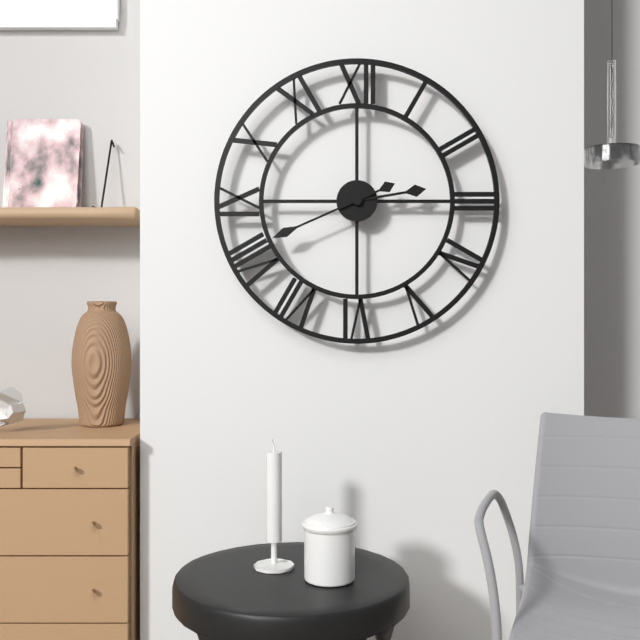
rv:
2h41
